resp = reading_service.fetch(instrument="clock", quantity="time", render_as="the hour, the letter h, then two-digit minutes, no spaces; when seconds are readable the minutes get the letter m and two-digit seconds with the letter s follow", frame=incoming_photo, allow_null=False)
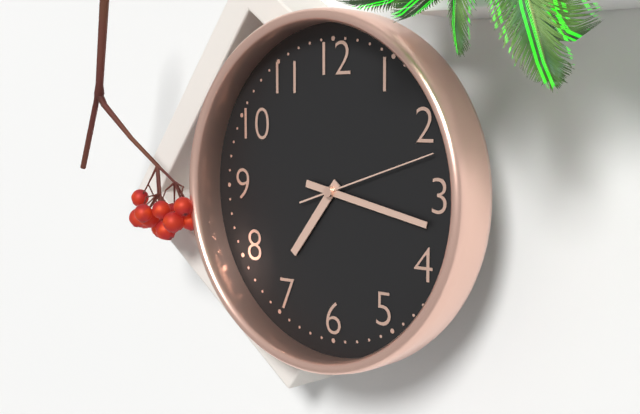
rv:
7h17m12s
